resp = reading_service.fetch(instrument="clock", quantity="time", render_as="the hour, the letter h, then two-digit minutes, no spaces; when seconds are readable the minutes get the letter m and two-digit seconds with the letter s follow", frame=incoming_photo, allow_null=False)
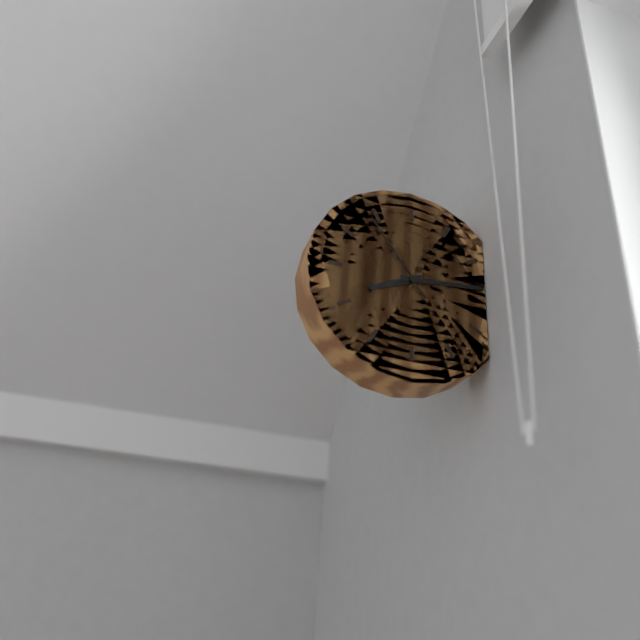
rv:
8h14m54s
